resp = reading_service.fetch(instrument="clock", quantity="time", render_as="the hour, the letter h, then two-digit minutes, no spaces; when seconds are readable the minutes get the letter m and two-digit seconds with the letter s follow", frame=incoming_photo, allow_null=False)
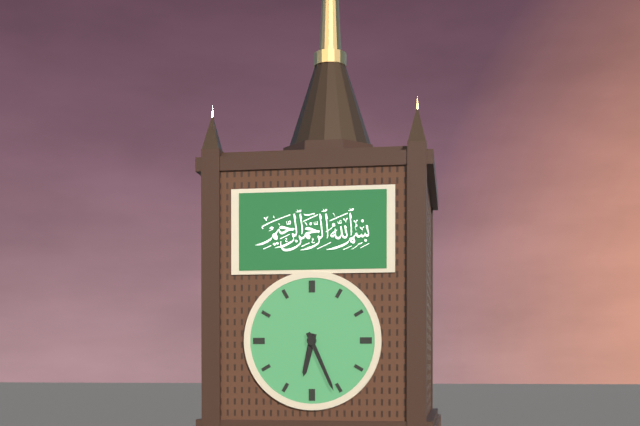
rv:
6h26
